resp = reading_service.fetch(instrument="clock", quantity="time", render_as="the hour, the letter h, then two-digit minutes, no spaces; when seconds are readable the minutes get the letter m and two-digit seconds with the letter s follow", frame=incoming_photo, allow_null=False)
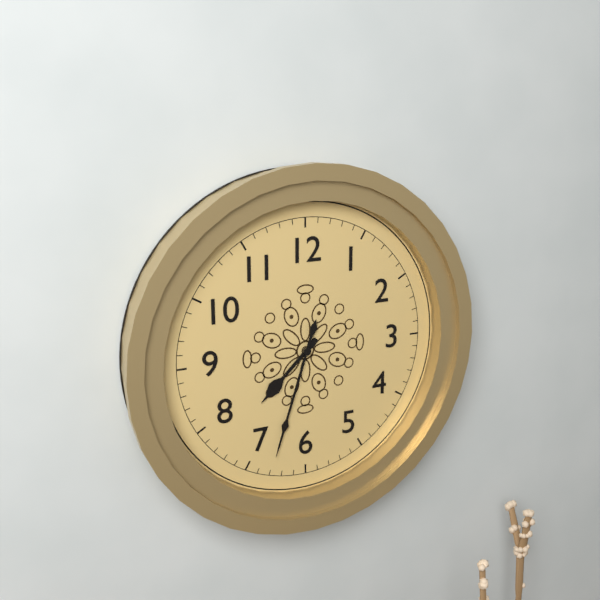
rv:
7h33
